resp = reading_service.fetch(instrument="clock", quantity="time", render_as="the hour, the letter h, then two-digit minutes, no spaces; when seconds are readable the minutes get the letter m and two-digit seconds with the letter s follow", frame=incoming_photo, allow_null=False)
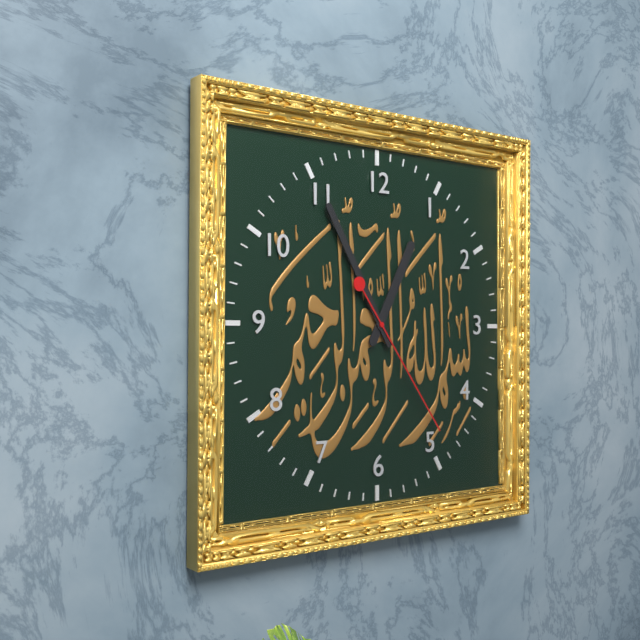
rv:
12h55m24s
